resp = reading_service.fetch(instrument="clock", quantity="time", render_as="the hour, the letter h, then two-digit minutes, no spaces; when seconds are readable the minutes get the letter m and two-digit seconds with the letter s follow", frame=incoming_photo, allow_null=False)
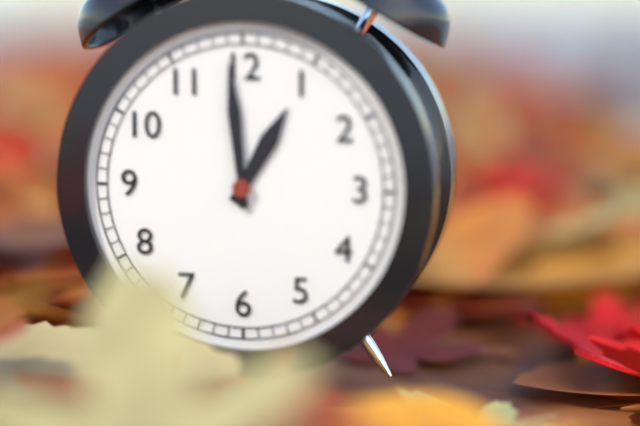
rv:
12h59
